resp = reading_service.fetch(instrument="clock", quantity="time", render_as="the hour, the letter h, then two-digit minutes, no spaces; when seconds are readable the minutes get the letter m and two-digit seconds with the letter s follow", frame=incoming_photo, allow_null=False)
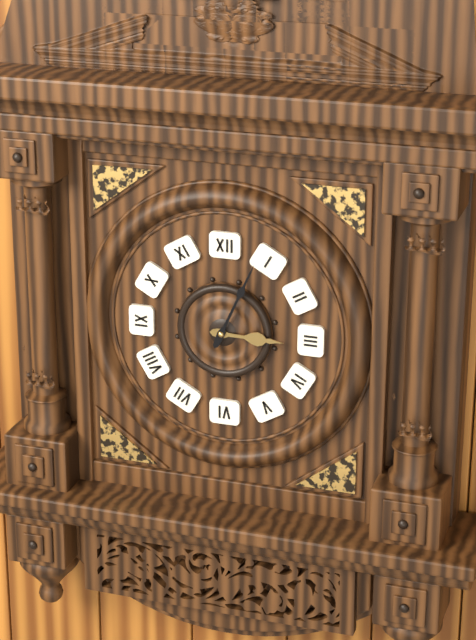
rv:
3h04
